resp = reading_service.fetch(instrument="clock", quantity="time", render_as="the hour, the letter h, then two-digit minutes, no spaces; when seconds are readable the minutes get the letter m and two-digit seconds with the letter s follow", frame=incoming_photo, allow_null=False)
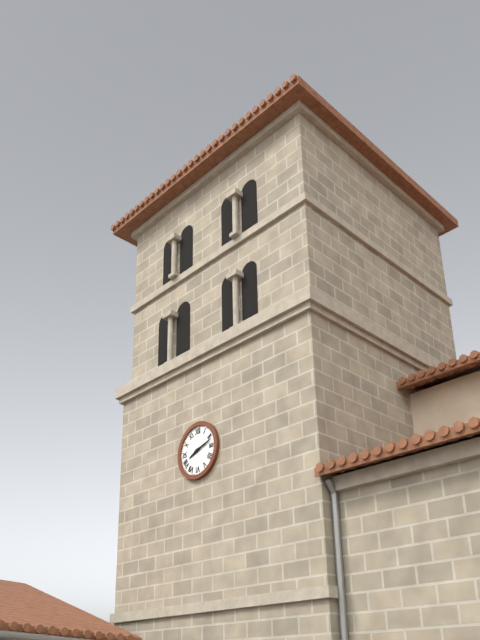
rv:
8h12
